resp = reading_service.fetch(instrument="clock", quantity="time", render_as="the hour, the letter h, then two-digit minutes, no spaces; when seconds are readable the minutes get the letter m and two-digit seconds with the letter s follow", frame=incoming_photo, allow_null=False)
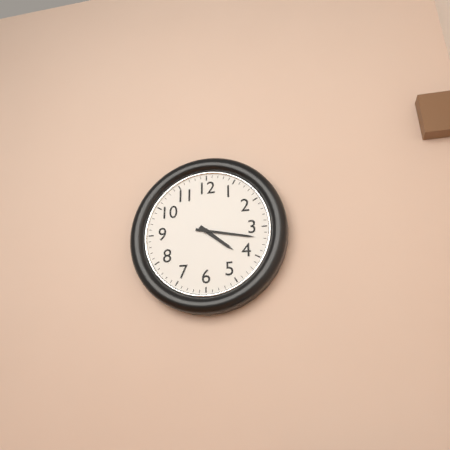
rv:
4h17
